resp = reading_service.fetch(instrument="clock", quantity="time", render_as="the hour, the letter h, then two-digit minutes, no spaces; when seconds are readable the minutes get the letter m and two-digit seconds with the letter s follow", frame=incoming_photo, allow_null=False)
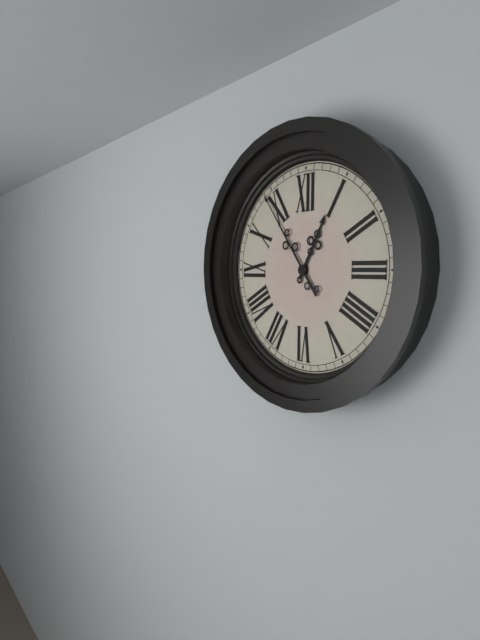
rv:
12h54
